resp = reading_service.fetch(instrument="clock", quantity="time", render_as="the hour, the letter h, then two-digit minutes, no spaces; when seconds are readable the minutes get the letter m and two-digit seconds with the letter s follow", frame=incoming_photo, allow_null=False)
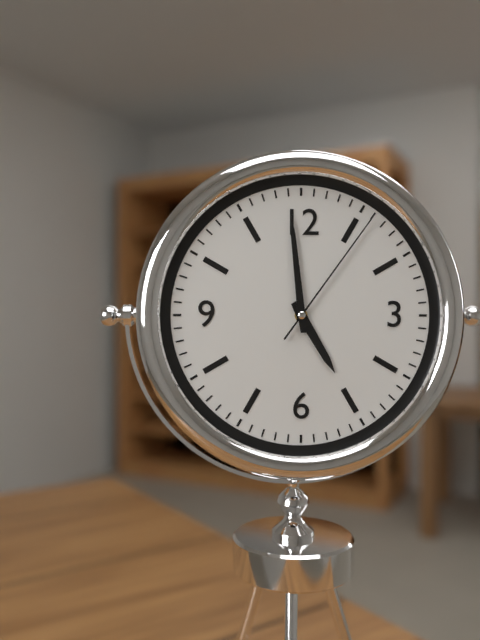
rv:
4h59m06s
